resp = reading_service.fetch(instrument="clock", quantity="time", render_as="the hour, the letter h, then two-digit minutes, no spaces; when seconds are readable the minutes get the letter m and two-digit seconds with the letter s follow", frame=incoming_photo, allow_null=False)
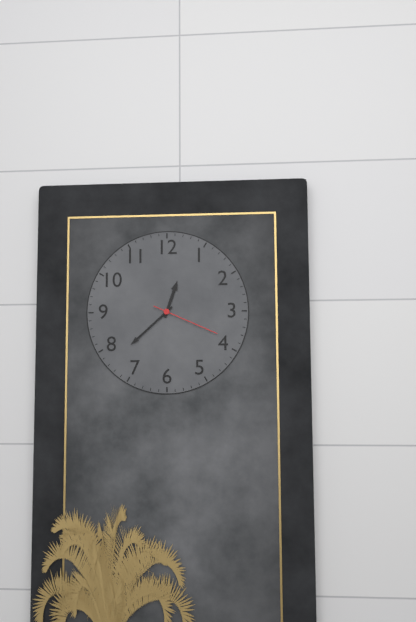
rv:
12h38m19s
